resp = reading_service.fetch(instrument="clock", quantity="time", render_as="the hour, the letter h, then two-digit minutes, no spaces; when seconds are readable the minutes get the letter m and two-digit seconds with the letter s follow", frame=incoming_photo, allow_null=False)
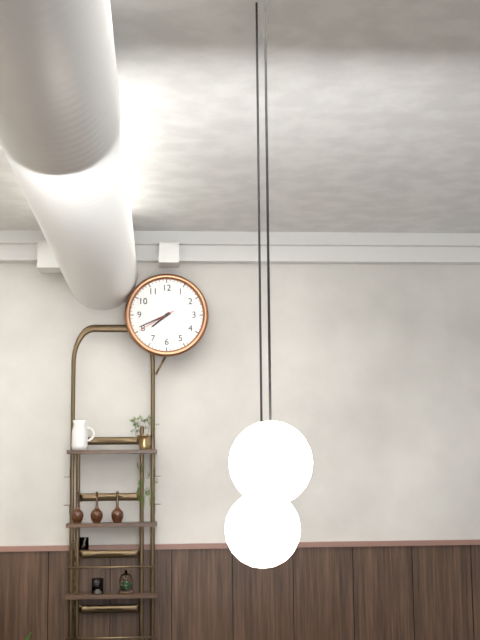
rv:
7h41
